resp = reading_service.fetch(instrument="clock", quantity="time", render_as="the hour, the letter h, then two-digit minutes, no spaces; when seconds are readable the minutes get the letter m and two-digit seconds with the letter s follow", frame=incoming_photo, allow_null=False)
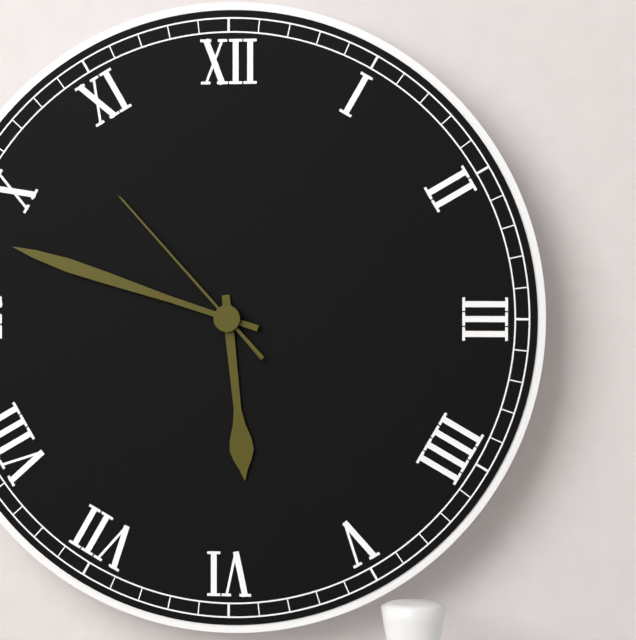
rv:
5h48m53s
